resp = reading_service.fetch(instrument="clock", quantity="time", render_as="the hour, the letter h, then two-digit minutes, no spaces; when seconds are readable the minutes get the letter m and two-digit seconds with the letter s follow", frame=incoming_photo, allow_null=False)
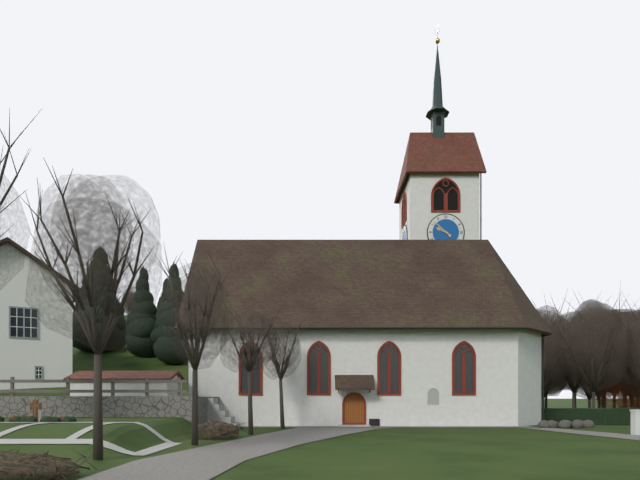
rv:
9h52
